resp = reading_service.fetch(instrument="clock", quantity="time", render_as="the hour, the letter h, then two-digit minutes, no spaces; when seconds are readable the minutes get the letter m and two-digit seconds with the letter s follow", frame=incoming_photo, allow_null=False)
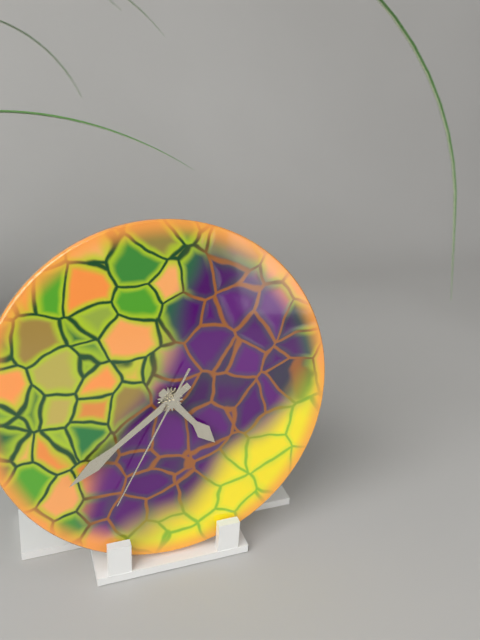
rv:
4h39m35s
